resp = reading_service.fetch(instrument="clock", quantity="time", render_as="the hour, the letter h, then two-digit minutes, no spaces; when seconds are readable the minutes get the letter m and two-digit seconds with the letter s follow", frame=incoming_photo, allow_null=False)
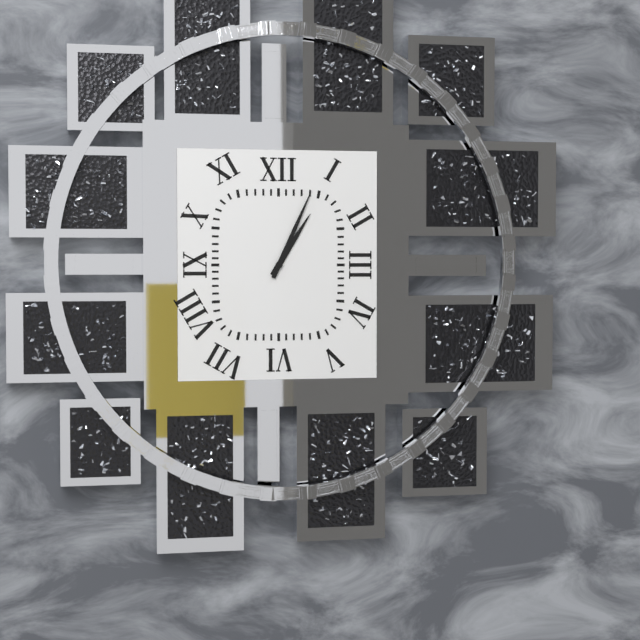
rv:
1h04
